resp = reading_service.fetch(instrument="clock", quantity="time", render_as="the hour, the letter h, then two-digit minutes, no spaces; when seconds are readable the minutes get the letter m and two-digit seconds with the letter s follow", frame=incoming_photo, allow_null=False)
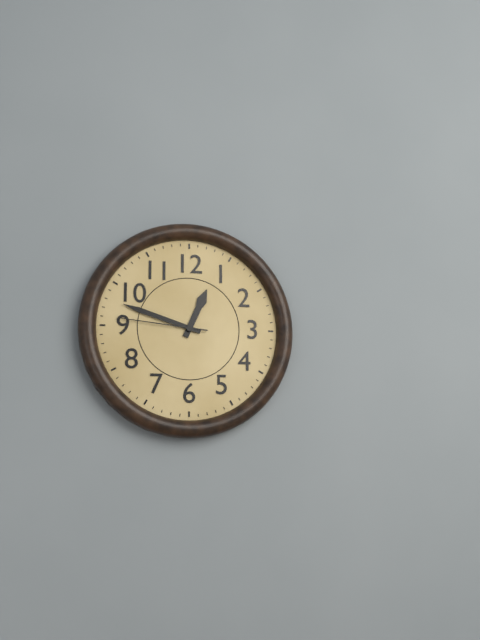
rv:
12h48m46s
